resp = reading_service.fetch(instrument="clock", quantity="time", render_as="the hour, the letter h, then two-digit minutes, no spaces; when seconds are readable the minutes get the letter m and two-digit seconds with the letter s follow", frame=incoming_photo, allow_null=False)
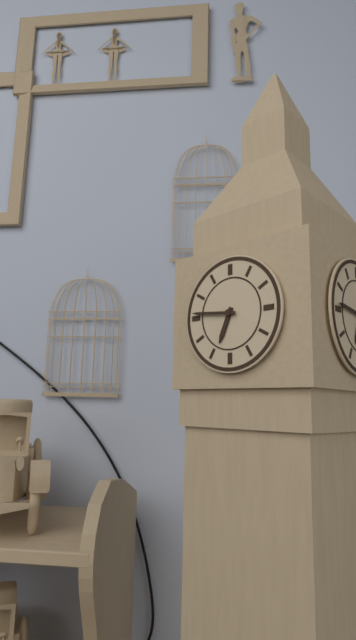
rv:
6h46
